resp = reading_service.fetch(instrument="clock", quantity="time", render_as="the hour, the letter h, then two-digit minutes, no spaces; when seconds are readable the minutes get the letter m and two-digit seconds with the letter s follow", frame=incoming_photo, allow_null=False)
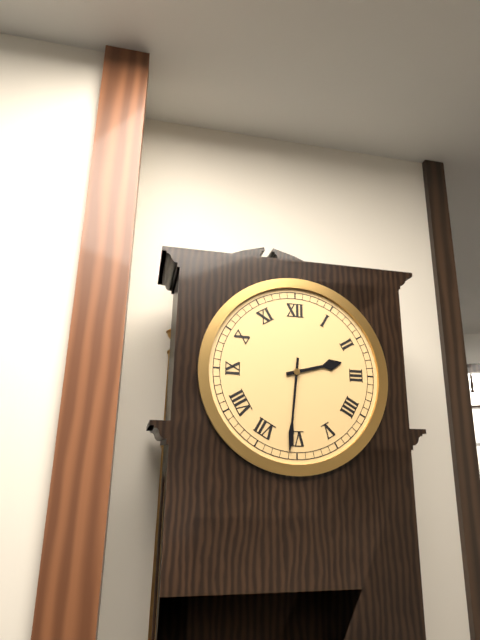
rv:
2h31
